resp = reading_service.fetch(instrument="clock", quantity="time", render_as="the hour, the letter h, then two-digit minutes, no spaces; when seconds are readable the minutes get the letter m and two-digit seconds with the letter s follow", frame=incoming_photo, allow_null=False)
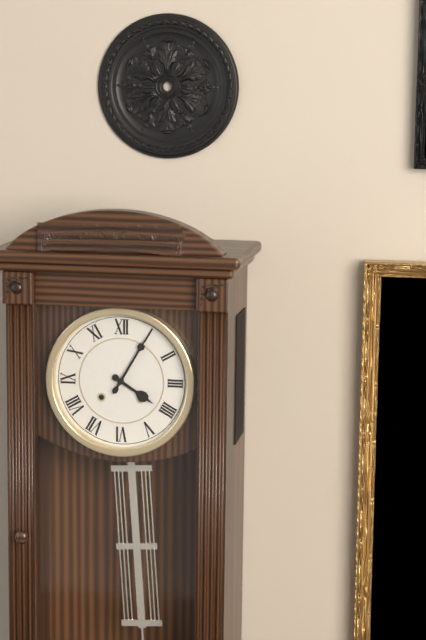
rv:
4h05
